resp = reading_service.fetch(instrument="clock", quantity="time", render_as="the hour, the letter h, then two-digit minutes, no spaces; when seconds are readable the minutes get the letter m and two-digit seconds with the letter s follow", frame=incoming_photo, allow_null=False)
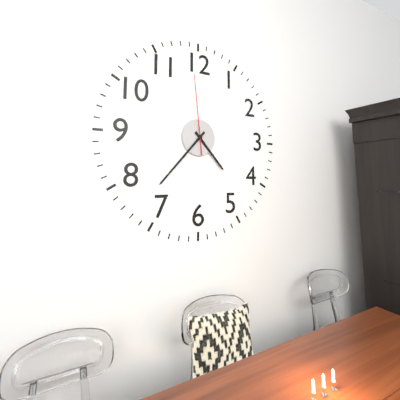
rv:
4h37m59s
